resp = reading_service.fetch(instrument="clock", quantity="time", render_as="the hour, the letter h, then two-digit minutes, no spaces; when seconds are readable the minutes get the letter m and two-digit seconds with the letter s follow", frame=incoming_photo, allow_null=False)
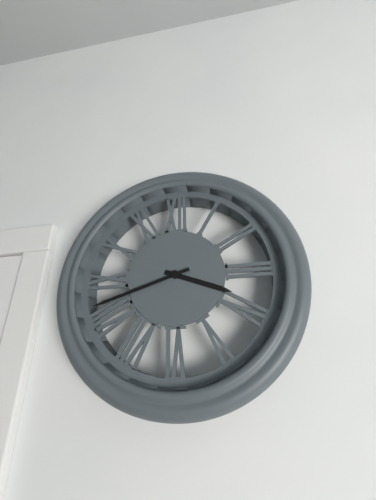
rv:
3h42
